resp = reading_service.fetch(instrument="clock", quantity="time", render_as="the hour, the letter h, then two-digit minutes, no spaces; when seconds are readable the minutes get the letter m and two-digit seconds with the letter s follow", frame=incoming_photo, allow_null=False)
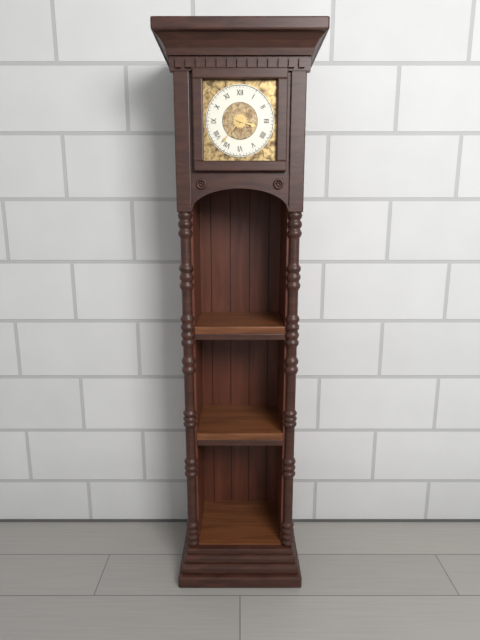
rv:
3h37
